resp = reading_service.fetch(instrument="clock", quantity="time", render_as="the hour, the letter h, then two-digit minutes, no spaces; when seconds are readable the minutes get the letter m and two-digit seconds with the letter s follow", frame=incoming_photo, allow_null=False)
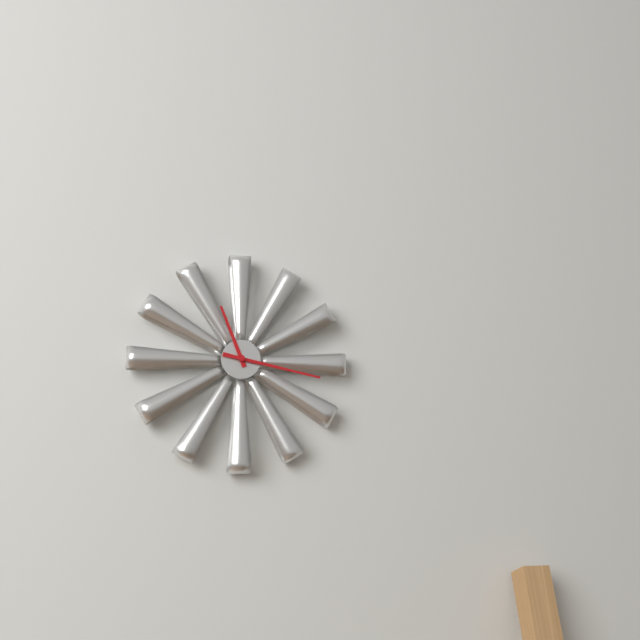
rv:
11h17
